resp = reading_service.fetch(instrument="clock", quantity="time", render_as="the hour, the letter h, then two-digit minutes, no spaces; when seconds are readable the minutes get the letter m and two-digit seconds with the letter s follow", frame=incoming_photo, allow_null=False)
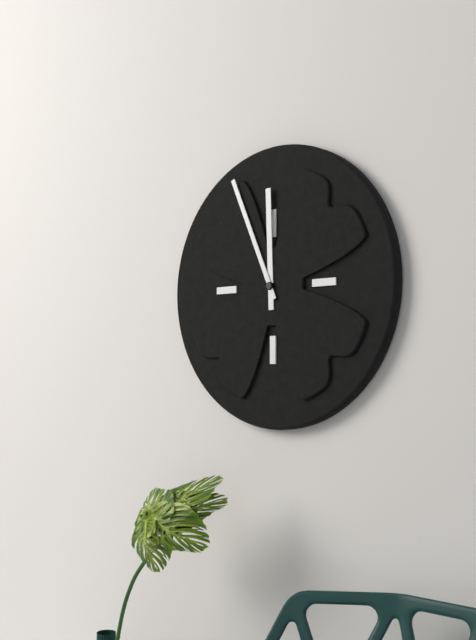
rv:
11h56
